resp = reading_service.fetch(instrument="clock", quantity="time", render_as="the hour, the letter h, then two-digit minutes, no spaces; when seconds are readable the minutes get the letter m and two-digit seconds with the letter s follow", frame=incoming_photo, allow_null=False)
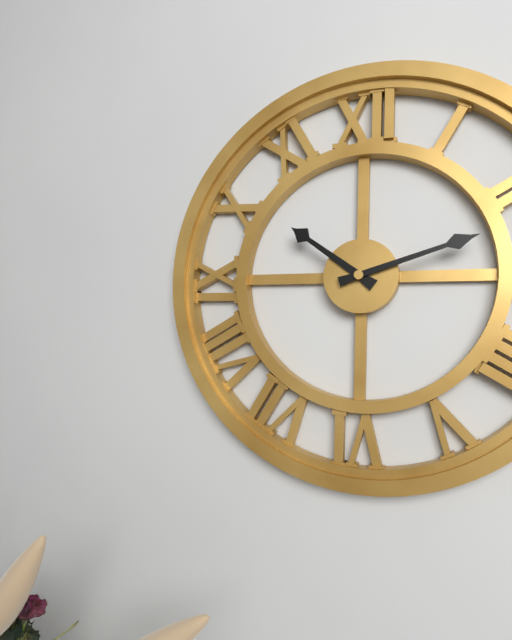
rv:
10h12
